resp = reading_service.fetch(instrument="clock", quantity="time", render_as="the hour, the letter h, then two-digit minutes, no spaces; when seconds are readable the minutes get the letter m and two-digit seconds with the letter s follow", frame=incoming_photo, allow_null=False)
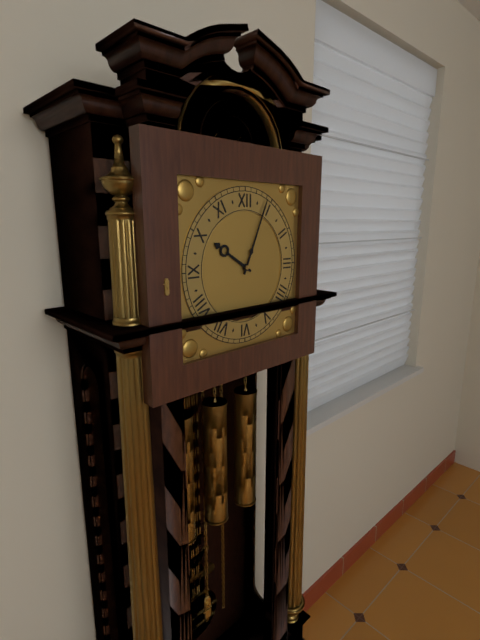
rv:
10h04
